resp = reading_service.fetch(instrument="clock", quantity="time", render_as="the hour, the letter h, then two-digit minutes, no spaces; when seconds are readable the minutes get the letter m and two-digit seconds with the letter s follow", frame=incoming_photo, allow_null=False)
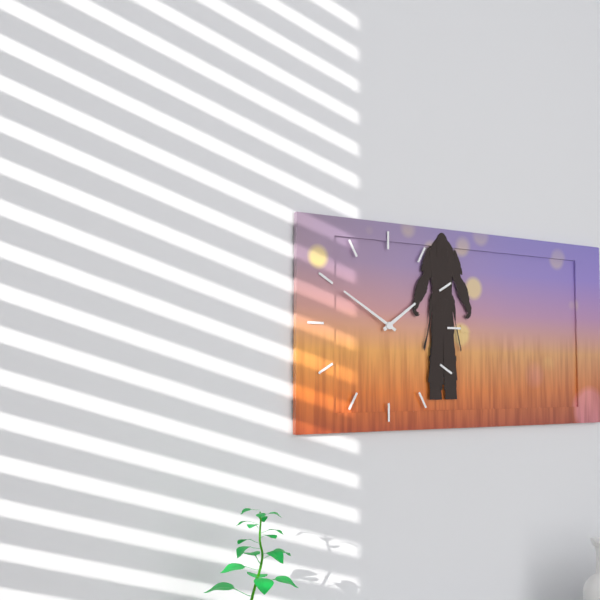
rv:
1h50
